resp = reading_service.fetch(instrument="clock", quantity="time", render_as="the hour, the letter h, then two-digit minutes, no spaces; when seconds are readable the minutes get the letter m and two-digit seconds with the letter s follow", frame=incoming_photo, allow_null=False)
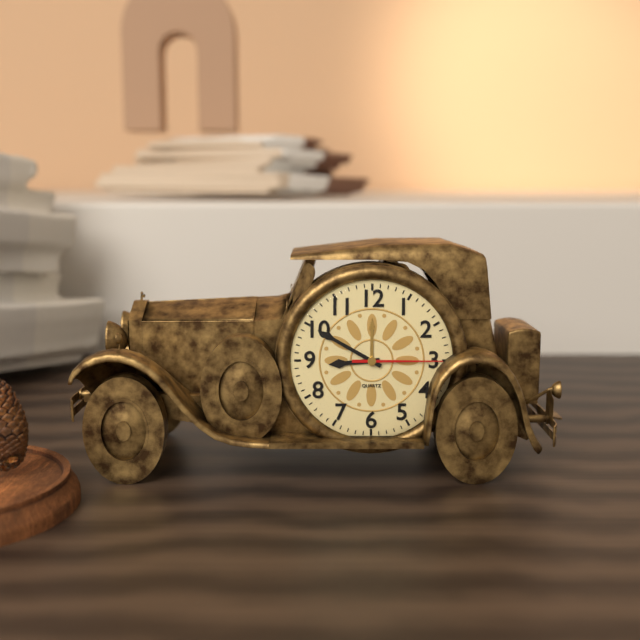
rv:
8h50m15s
